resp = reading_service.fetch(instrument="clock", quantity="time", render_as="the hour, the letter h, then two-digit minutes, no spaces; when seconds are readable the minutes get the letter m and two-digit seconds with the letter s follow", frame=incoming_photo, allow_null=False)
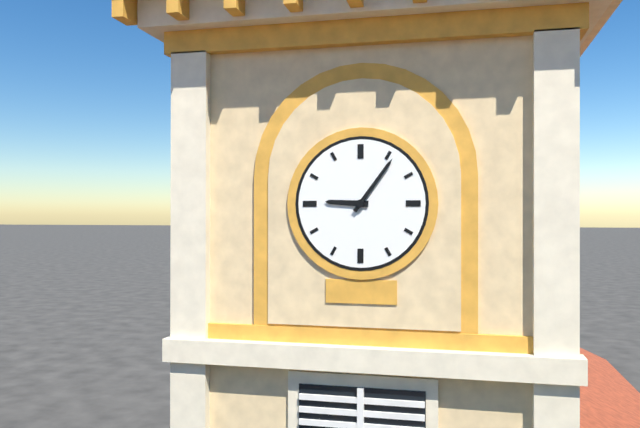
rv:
9h06
